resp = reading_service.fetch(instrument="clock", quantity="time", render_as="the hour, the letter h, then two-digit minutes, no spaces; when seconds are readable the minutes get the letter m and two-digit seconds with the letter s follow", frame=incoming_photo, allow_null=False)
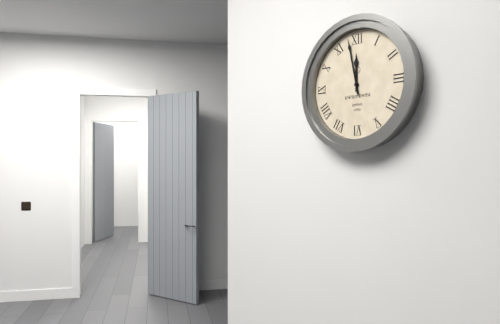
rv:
11h58
